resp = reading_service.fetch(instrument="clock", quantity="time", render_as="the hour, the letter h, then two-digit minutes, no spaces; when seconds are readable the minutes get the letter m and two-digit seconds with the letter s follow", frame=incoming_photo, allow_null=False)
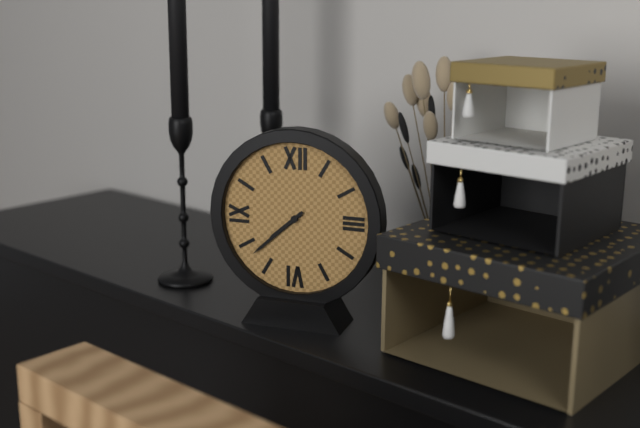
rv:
7h38
